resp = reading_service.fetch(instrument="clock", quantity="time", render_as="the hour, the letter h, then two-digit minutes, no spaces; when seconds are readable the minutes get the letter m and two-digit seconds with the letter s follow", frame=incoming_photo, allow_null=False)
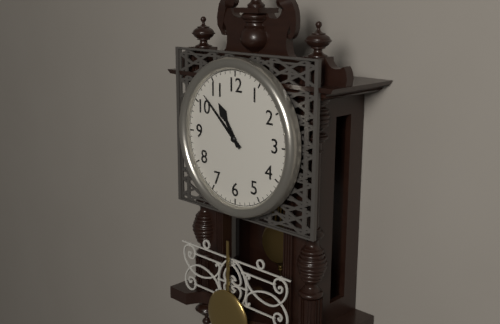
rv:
10h52
